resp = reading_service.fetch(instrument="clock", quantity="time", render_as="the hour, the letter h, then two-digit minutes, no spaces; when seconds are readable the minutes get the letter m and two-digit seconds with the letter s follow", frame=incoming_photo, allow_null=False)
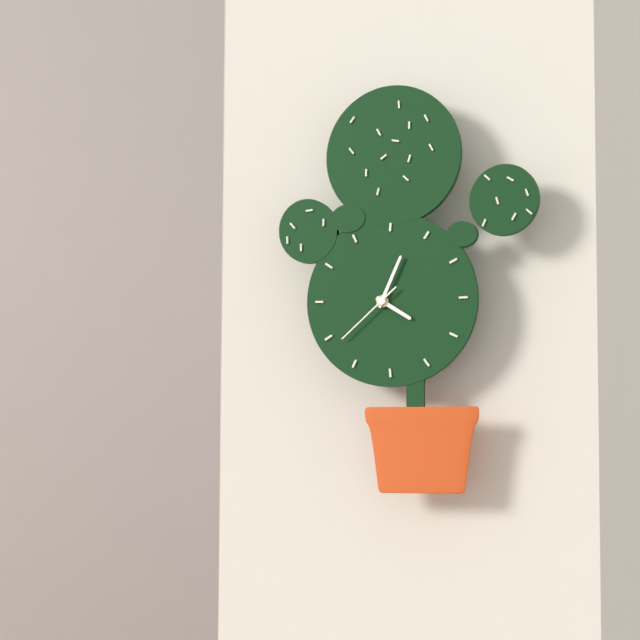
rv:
4h04m38s
